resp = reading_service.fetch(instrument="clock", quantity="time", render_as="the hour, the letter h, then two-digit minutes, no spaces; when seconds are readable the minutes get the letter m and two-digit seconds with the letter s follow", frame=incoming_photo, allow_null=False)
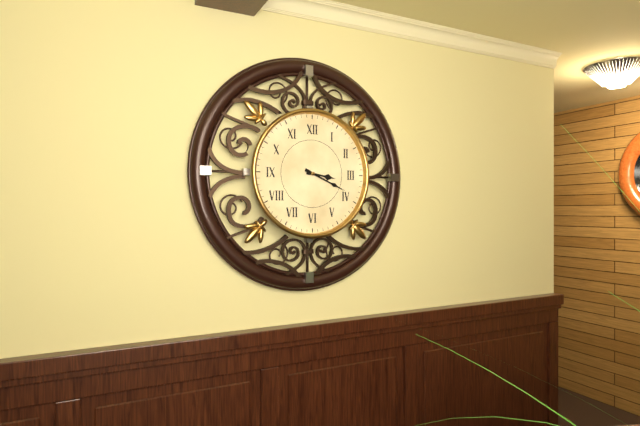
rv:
3h19
